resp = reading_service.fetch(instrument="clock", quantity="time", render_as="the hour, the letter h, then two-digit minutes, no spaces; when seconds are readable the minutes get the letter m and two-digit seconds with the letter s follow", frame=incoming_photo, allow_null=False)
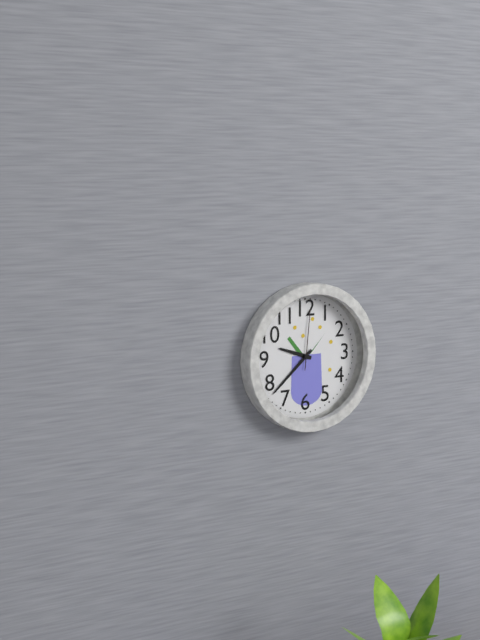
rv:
9h38m01s
